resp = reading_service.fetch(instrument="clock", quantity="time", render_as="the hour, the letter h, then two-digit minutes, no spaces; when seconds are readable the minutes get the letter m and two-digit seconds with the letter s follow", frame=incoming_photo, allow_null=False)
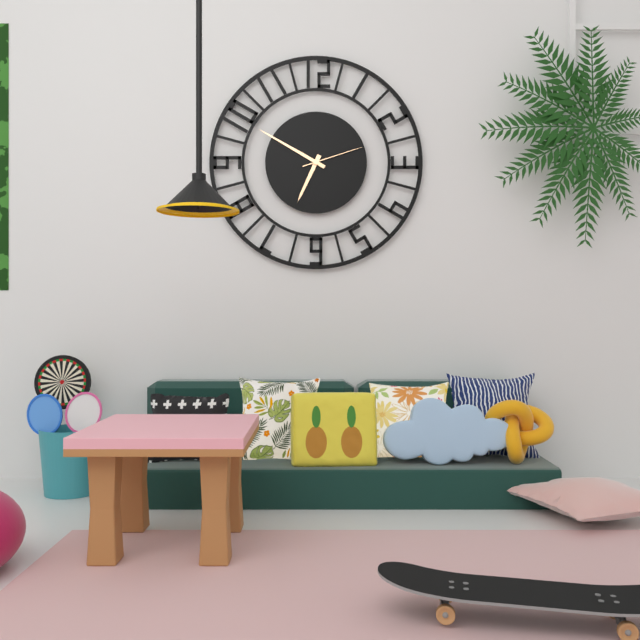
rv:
6h50m12s
